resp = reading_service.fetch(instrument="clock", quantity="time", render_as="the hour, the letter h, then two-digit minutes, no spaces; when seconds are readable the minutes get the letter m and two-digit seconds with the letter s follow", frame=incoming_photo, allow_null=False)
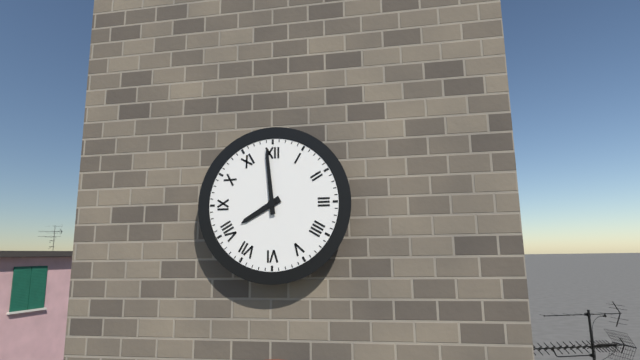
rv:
7h59
